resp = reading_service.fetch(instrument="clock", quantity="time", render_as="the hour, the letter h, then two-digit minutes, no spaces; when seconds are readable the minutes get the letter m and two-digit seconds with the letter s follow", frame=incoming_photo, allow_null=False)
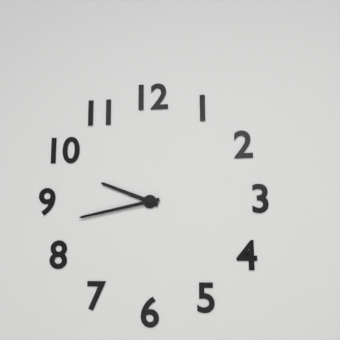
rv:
9h43
